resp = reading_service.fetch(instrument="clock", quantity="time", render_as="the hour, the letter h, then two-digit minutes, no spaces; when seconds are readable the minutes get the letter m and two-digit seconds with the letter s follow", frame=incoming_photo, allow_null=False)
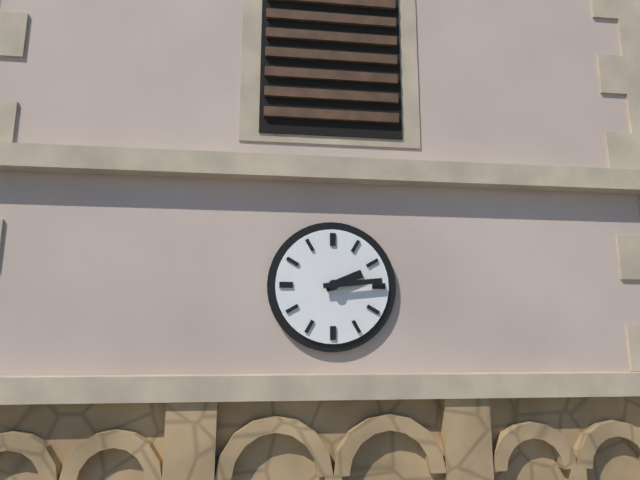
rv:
2h14
